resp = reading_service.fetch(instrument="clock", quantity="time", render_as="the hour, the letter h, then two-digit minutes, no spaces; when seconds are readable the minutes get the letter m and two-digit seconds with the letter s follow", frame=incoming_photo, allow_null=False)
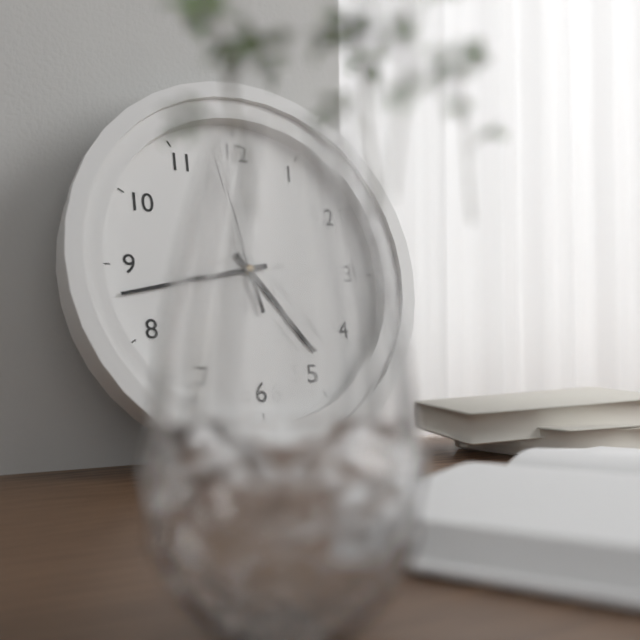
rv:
4h43m58s
